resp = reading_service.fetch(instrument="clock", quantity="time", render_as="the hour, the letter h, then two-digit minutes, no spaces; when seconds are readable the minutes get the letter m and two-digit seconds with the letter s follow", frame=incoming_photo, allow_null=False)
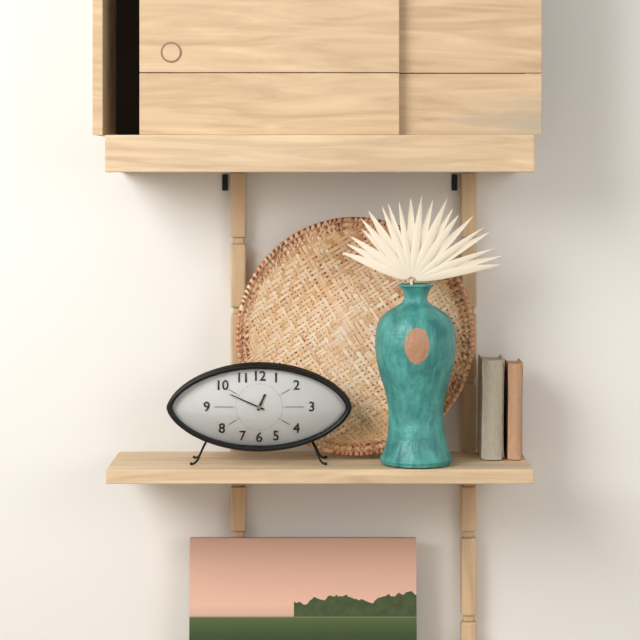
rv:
12h49
